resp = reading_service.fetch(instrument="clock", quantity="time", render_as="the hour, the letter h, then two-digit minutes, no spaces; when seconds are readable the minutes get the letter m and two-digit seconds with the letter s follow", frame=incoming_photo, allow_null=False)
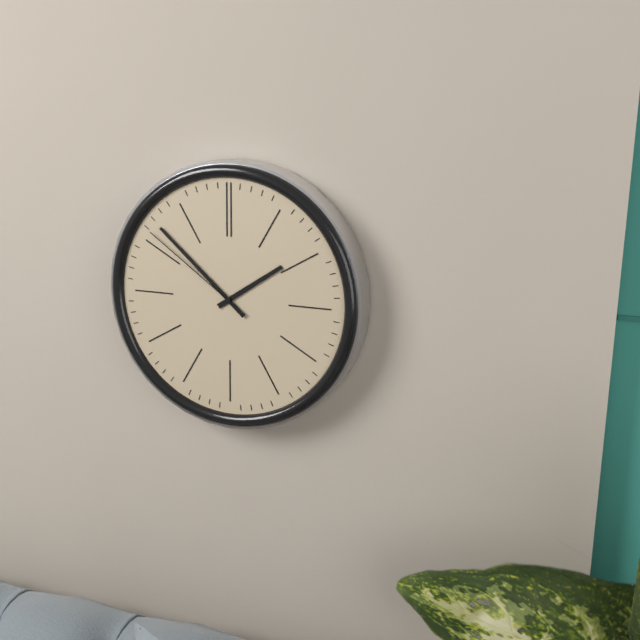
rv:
1h52m51s
